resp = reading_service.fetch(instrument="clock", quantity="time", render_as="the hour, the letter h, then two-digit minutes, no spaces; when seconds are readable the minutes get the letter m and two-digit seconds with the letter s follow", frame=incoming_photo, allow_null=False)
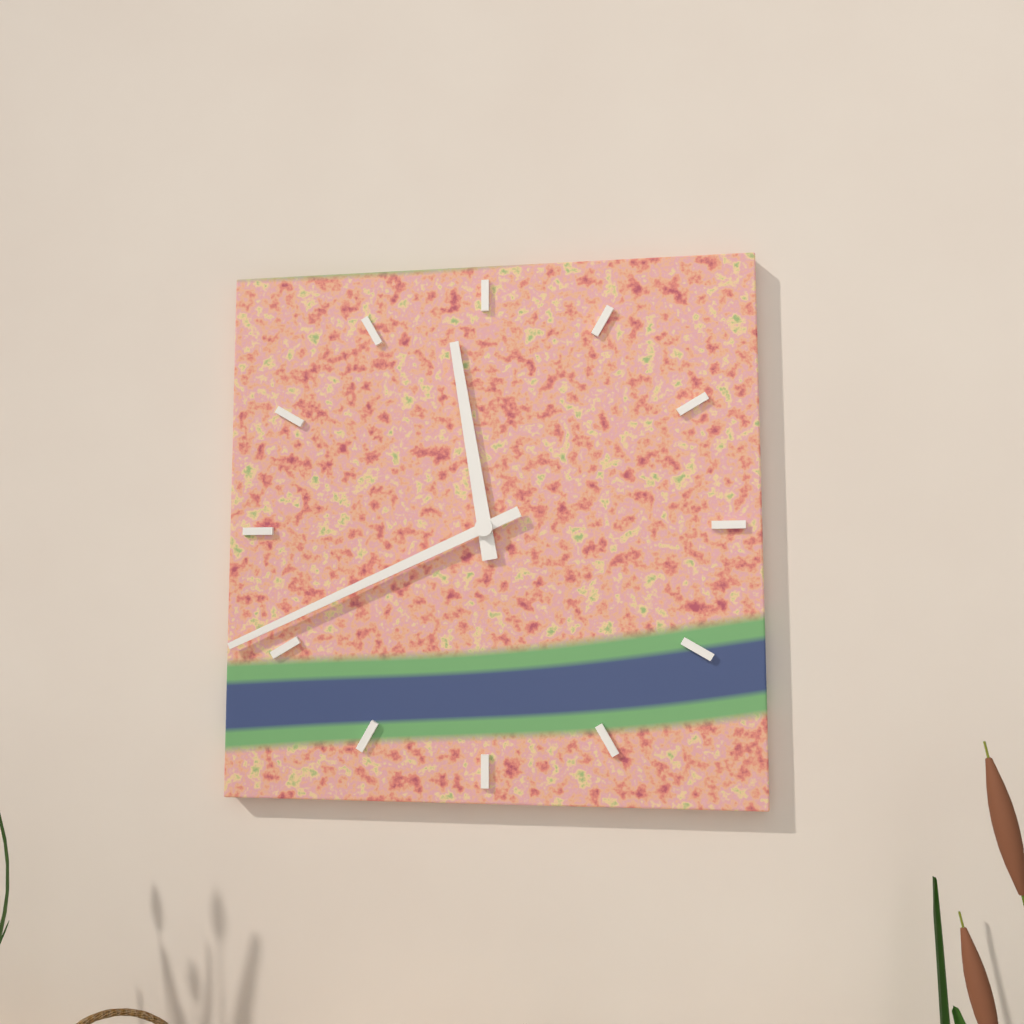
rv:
11h41
